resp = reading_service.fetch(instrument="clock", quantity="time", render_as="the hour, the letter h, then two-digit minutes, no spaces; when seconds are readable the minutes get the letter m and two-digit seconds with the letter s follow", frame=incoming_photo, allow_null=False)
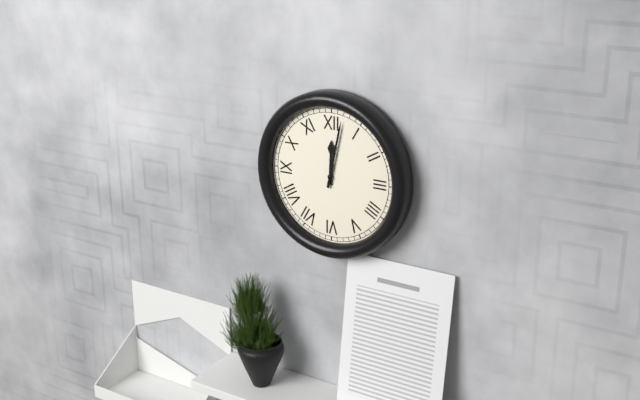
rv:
12h02
